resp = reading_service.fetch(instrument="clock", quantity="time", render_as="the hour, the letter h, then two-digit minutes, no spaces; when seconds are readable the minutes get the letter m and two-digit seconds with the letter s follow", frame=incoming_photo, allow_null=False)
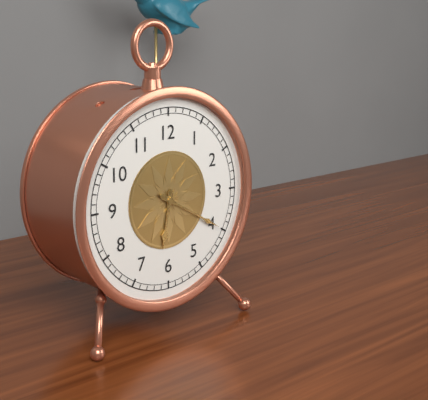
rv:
6h20
